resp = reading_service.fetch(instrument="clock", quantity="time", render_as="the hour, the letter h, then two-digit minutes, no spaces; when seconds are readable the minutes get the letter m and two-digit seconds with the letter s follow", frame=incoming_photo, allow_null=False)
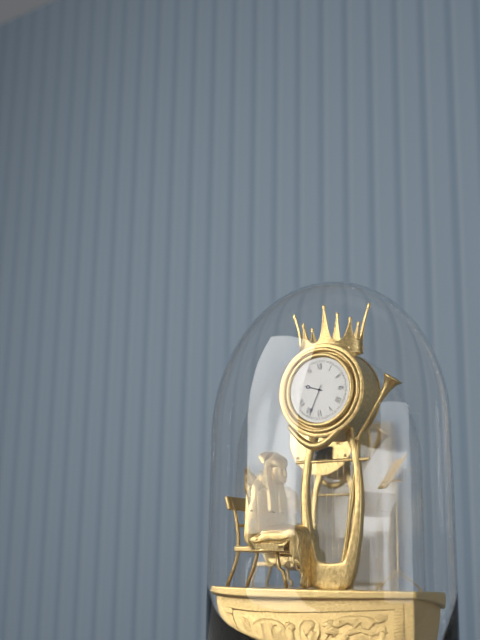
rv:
9h34
